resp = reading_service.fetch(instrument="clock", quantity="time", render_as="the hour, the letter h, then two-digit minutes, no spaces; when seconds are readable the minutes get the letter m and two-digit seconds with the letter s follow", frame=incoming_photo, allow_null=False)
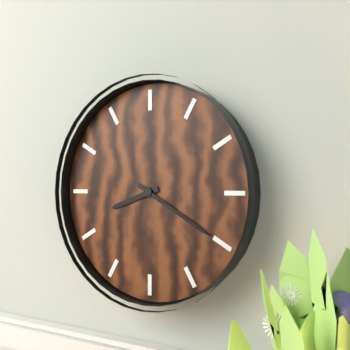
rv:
8h20
